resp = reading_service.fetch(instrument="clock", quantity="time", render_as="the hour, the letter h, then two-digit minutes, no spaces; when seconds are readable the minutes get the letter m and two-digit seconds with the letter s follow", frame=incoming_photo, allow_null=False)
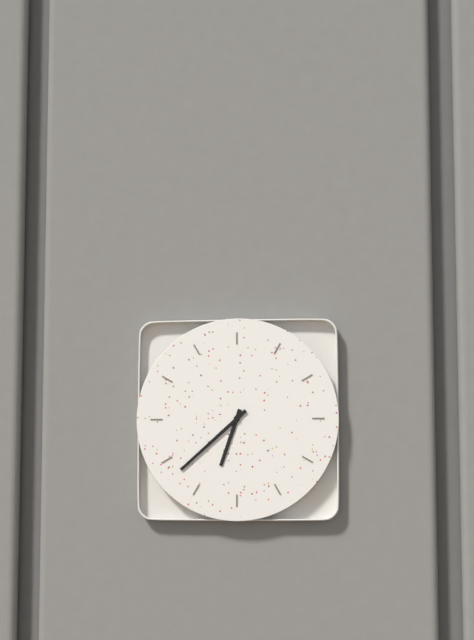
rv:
6h38
